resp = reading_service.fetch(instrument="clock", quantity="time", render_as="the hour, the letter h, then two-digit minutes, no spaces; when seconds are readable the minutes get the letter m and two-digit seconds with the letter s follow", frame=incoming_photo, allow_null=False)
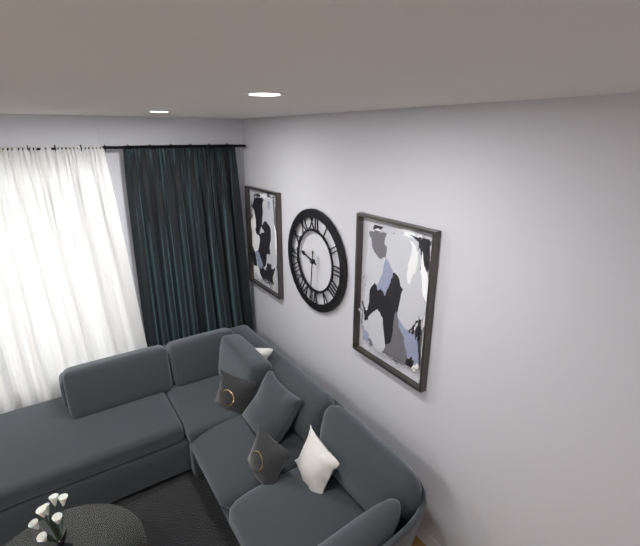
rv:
9h31
